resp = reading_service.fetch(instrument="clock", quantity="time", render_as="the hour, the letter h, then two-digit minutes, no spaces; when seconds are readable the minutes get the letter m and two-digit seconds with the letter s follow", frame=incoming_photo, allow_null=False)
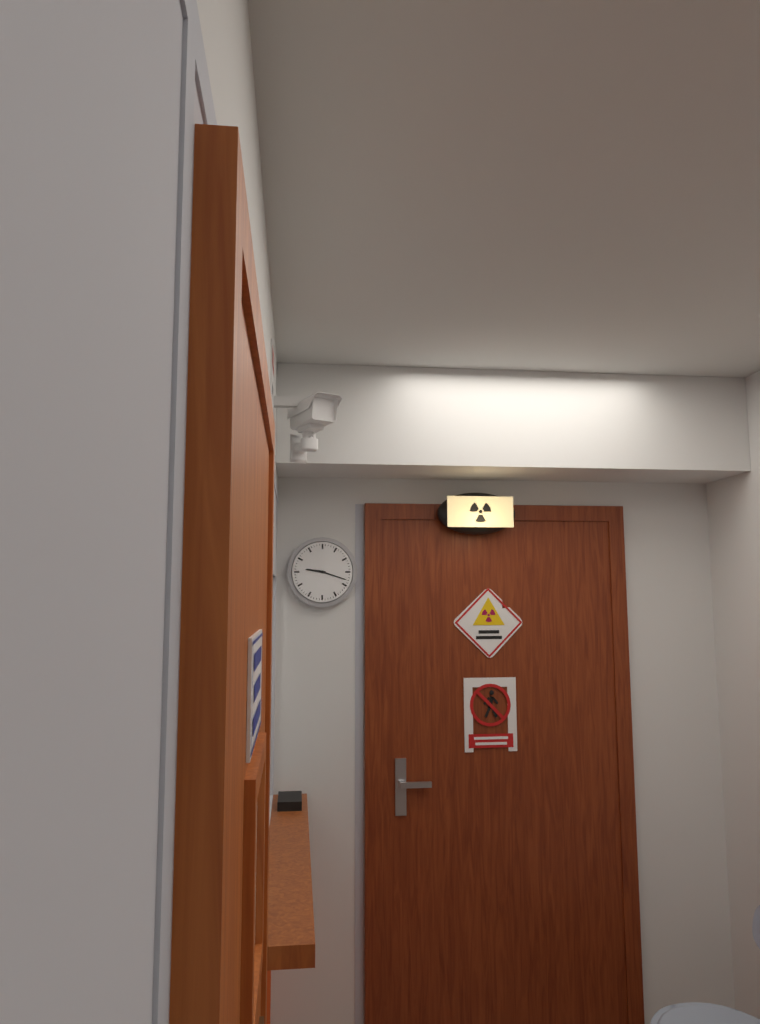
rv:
9h18
